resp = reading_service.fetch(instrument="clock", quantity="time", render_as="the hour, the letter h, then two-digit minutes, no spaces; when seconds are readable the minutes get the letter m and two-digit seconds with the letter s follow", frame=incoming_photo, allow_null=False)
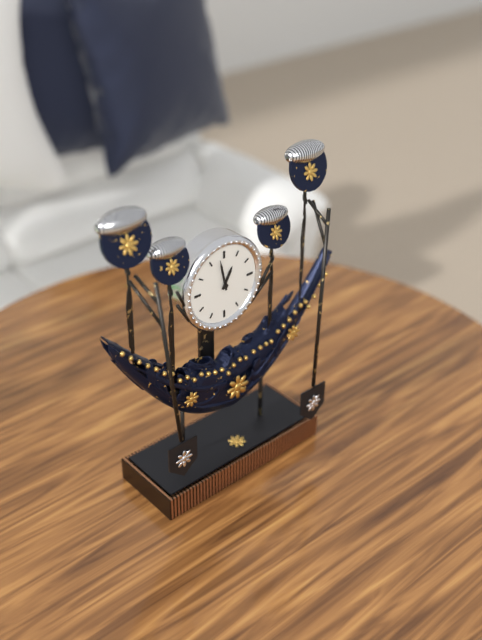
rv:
12h58
